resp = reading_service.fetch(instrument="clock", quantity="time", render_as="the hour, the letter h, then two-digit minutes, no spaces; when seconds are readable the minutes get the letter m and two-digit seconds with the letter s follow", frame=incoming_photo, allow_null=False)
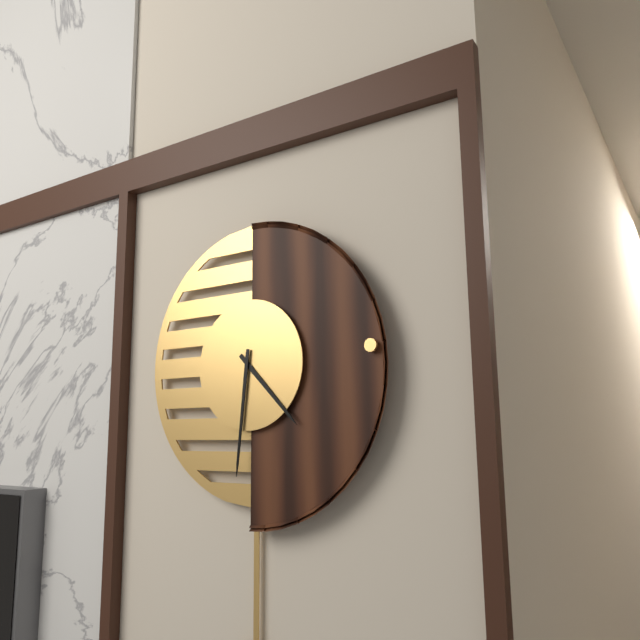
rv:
4h31
